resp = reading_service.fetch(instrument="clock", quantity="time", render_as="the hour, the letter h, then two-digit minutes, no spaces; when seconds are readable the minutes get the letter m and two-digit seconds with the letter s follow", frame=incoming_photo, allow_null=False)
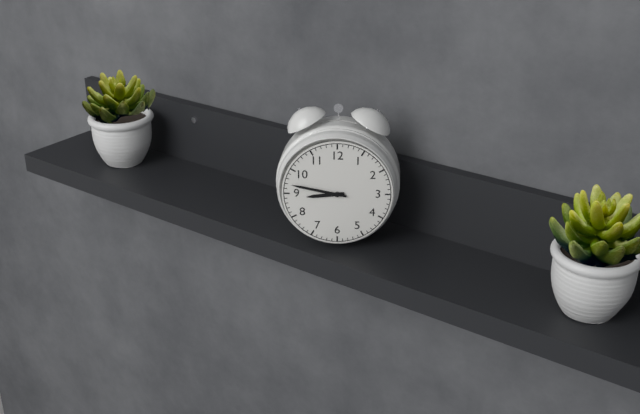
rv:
8h47
